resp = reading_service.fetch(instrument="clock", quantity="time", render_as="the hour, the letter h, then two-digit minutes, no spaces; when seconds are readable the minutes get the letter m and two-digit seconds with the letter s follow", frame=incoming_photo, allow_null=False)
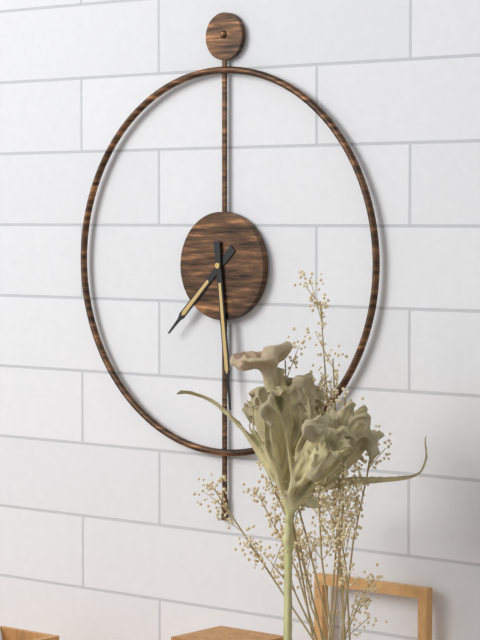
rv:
7h29
